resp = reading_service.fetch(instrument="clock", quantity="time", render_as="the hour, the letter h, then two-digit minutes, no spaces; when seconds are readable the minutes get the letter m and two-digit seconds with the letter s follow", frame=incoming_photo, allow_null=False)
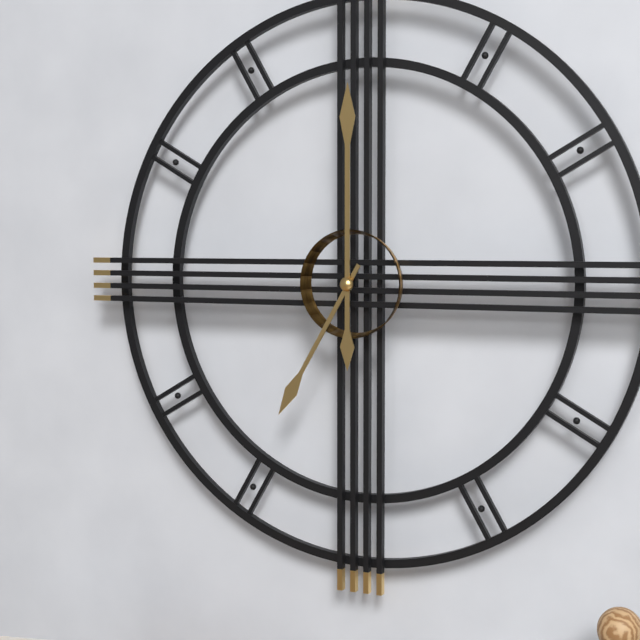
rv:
7h00
